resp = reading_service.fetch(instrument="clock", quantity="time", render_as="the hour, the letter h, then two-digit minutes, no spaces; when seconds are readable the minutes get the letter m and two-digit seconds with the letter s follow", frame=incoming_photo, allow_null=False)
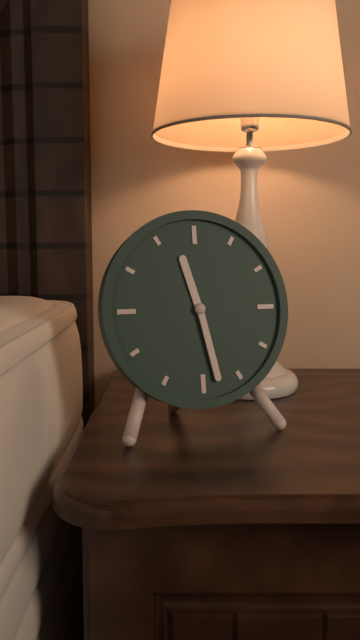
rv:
11h28
